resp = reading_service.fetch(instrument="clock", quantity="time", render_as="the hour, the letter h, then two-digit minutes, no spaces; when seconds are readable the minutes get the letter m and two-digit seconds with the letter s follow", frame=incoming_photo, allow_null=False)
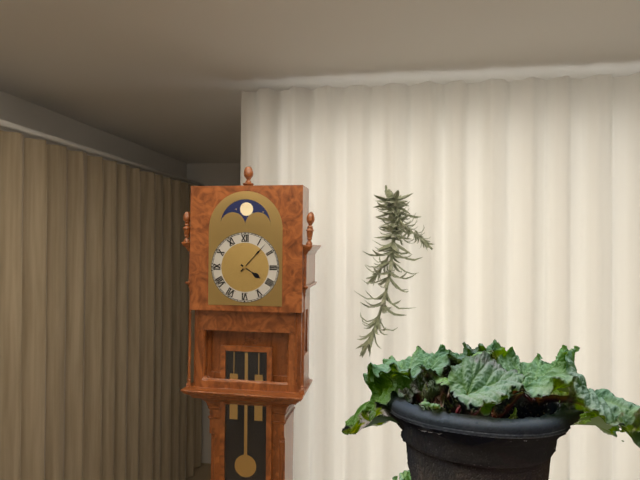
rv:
4h07
